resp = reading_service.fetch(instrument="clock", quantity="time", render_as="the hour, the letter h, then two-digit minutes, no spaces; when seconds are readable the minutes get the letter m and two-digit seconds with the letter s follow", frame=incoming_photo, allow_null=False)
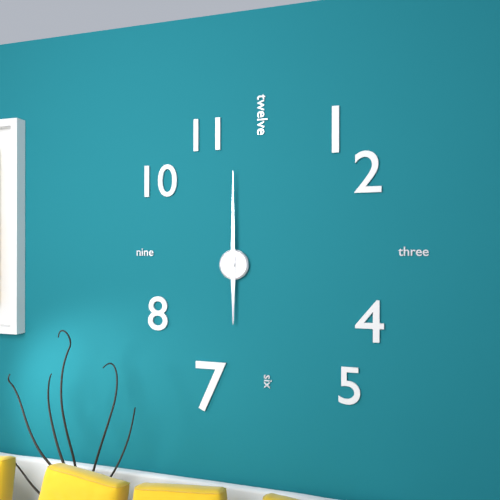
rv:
6h00
